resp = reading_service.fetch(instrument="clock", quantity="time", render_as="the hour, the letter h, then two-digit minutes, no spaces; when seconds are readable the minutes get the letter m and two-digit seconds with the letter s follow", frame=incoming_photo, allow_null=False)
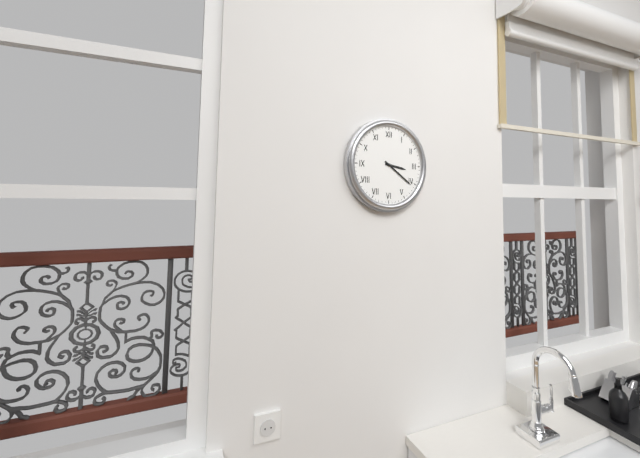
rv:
3h21
